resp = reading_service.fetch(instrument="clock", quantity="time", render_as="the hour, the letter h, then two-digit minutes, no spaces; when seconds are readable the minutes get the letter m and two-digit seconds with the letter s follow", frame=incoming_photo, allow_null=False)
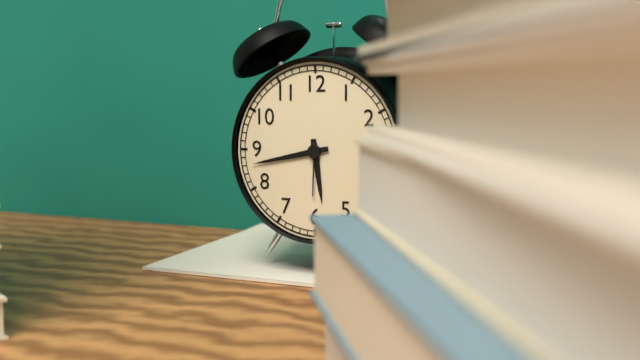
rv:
5h43
